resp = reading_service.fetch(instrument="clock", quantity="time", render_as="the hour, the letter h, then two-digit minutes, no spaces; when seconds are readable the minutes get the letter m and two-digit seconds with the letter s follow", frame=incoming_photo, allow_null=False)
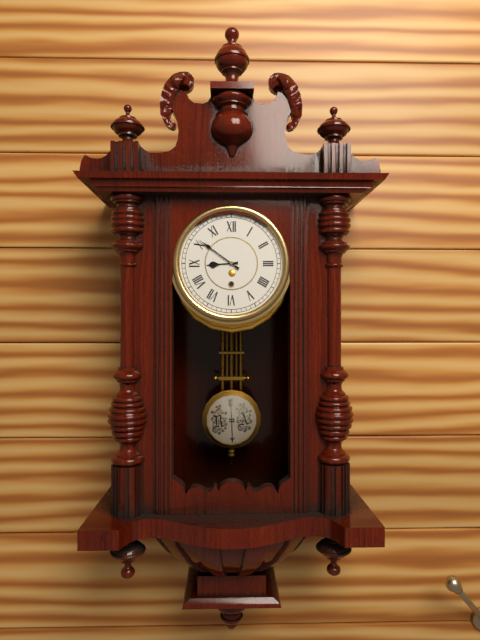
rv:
8h51
